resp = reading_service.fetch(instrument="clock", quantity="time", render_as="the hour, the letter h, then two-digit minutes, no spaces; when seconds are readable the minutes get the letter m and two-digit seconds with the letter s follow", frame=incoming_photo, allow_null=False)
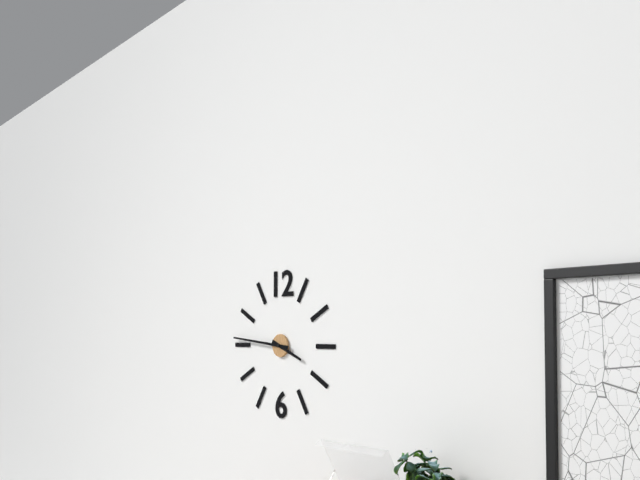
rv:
3h46
